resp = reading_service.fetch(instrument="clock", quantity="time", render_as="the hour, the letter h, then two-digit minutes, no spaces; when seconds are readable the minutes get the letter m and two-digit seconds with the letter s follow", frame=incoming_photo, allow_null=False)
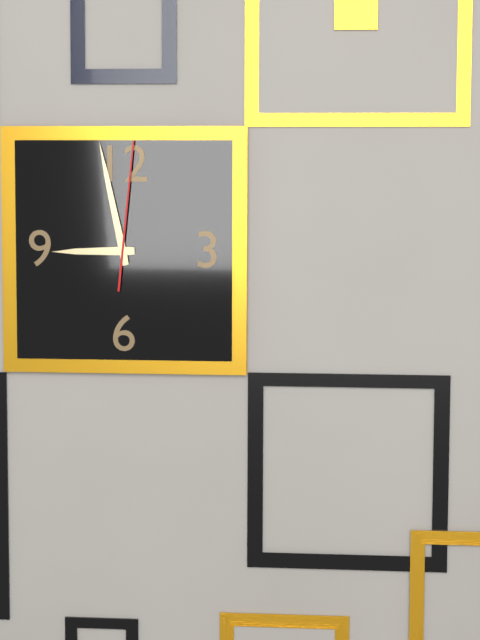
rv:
8h58m01s
